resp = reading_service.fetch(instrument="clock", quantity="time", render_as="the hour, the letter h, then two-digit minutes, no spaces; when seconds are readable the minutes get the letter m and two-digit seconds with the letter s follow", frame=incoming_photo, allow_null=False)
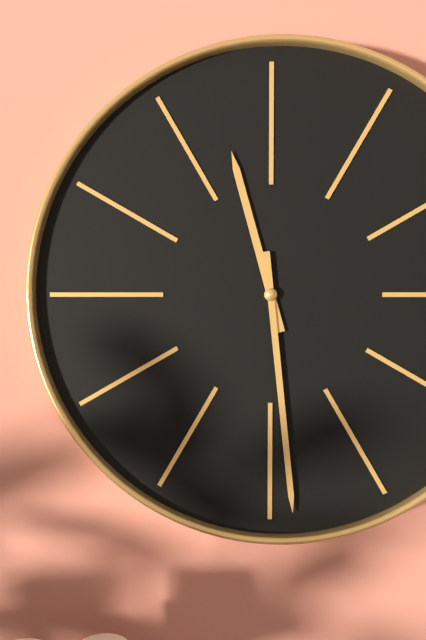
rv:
11h29
